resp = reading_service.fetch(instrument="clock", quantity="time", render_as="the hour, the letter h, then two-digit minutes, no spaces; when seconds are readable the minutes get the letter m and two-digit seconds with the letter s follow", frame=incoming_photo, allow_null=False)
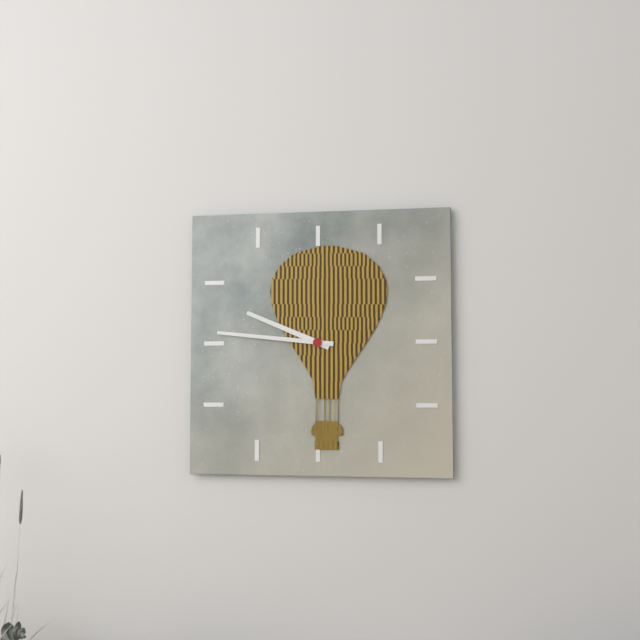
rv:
9h46
